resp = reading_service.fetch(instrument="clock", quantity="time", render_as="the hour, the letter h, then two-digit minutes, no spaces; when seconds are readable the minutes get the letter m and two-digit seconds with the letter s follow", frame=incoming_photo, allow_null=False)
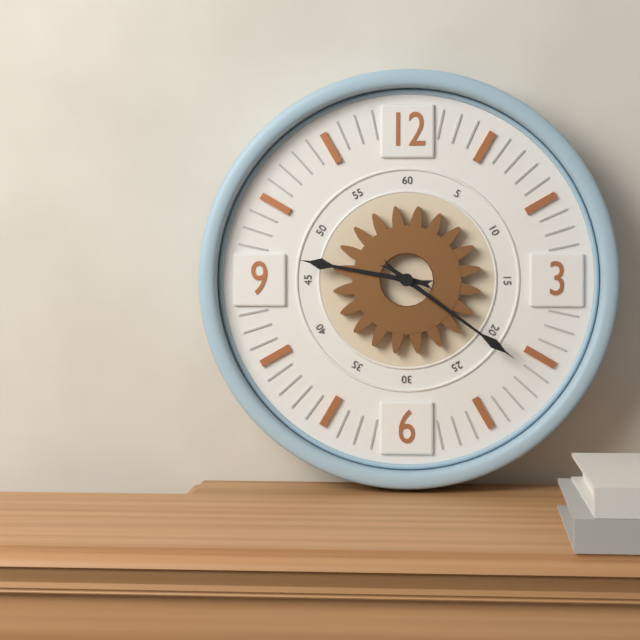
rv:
9h21
